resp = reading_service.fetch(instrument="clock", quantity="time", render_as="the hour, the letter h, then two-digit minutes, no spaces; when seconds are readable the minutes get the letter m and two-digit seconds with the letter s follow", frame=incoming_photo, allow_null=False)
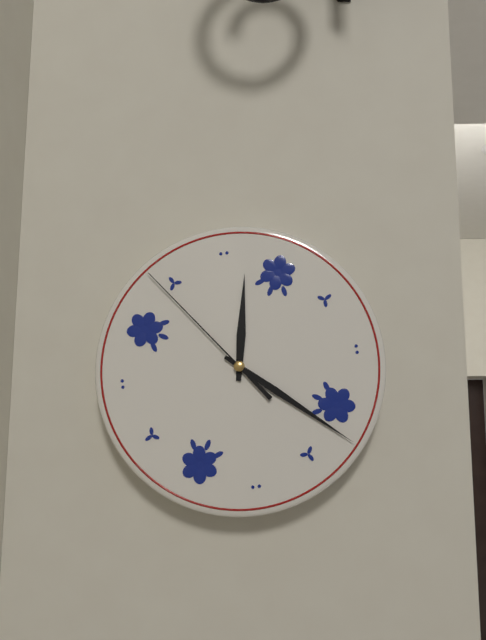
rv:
12h22m54s
